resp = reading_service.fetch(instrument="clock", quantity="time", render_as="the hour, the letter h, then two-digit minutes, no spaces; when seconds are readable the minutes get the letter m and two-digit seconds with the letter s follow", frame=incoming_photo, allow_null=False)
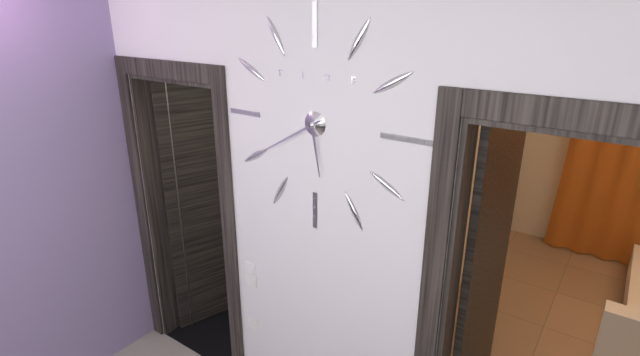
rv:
5h40
